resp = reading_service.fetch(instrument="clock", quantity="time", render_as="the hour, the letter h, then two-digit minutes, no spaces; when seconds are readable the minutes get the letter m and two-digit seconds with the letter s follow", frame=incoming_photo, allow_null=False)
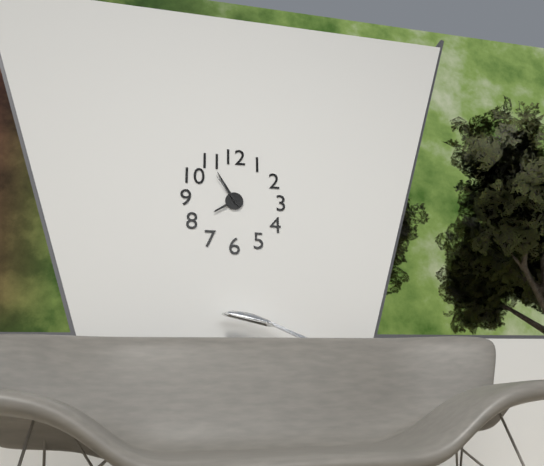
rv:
7h55
